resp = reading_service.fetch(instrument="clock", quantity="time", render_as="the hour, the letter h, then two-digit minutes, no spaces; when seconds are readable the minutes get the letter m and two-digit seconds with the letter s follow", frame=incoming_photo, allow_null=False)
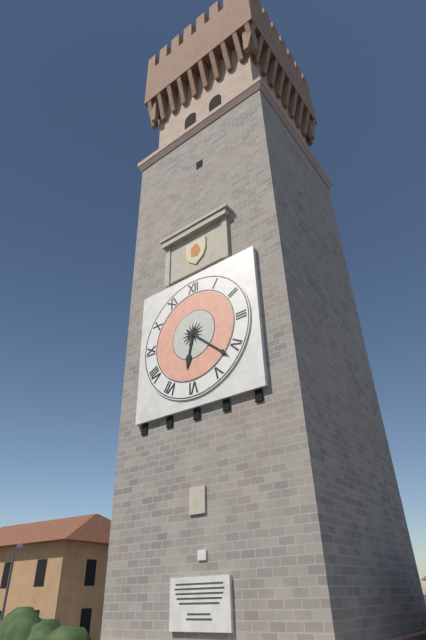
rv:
6h22
